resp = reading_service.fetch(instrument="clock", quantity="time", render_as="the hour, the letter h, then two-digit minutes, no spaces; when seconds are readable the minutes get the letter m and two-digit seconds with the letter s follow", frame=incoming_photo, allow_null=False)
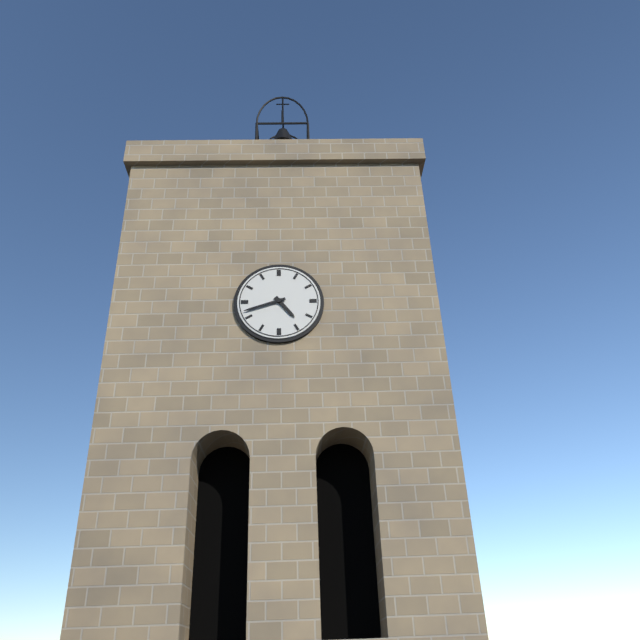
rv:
4h42
